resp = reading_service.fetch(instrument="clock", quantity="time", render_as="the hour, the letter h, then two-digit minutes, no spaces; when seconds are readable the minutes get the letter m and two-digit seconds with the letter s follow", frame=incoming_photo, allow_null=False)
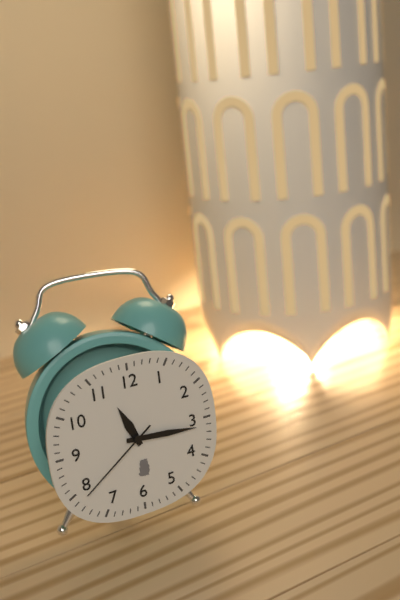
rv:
11h16m39s
